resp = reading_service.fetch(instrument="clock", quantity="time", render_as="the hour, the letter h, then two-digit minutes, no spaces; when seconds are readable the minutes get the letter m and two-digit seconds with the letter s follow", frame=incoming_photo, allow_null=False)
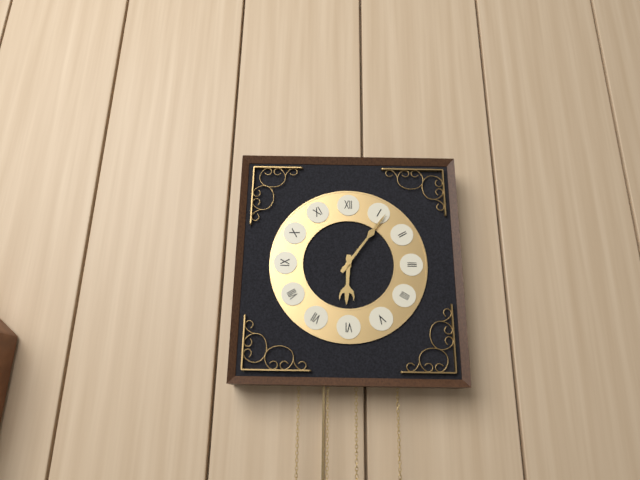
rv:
6h06
